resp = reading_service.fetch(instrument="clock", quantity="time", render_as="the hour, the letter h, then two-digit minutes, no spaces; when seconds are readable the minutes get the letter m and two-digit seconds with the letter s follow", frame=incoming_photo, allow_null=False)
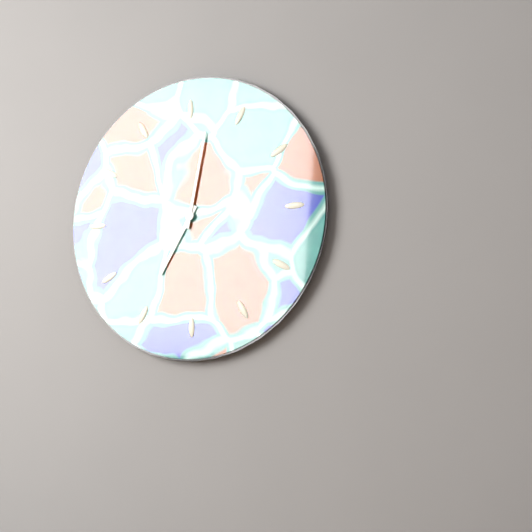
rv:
7h02
